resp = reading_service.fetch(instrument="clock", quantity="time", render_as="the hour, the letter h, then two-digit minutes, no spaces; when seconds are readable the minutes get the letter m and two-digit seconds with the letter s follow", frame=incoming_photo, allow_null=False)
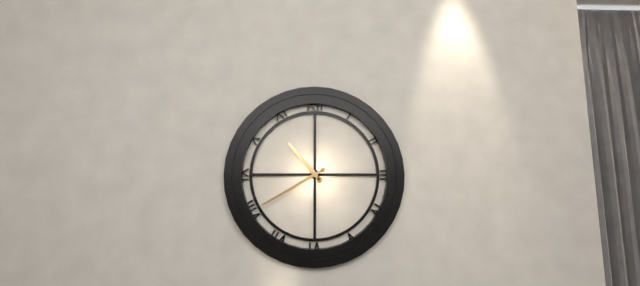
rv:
10h40
